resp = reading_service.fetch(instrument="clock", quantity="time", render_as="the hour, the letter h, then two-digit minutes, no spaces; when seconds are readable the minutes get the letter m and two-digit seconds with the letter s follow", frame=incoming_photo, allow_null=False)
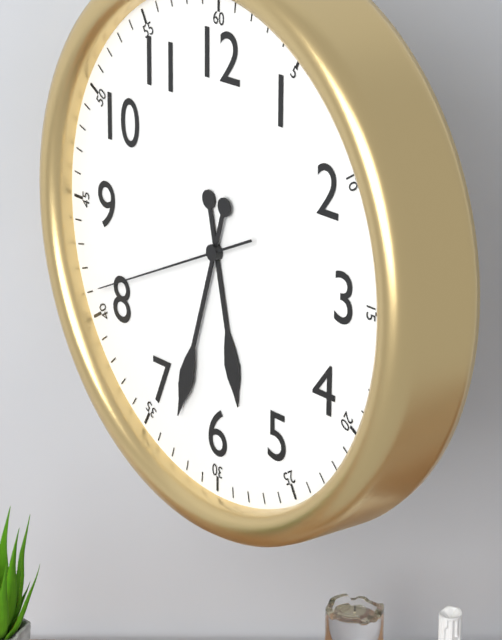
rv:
5h33m41s
